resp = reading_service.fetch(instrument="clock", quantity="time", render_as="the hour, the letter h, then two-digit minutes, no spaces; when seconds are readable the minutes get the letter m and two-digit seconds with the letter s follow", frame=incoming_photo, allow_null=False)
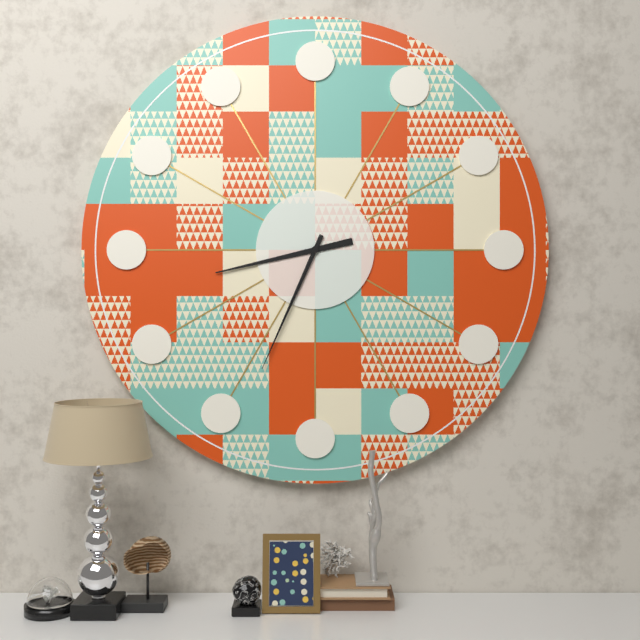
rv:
8h34
